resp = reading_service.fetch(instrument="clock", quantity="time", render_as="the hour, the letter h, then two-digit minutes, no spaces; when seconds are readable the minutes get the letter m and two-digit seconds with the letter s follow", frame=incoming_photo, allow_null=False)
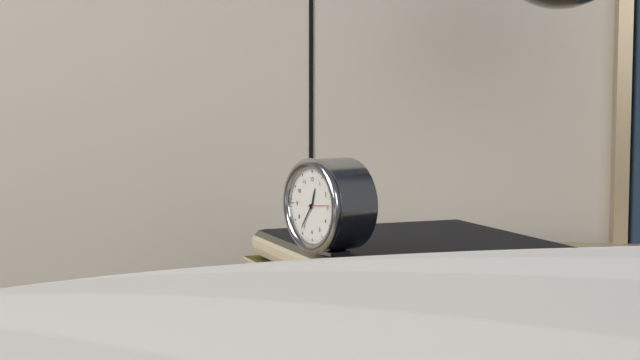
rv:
12h36
